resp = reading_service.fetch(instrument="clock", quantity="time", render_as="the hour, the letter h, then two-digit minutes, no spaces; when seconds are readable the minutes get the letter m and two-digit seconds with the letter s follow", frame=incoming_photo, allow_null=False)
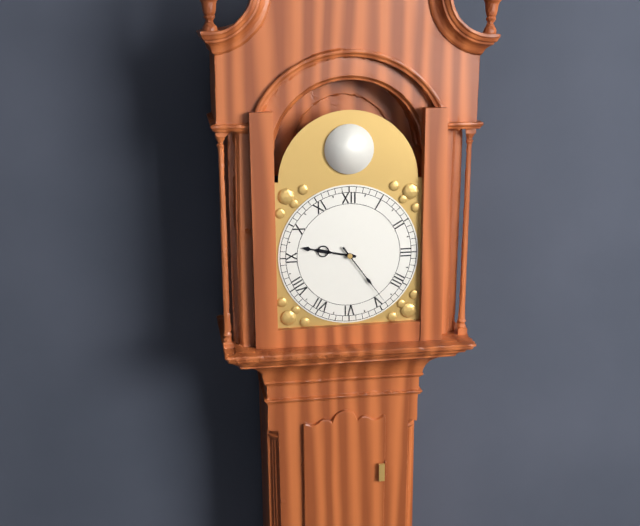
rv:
9h24
